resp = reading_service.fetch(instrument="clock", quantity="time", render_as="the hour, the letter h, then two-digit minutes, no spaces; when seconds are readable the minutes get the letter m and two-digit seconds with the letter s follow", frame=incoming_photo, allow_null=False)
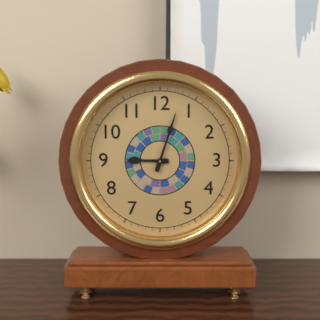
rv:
9h03
